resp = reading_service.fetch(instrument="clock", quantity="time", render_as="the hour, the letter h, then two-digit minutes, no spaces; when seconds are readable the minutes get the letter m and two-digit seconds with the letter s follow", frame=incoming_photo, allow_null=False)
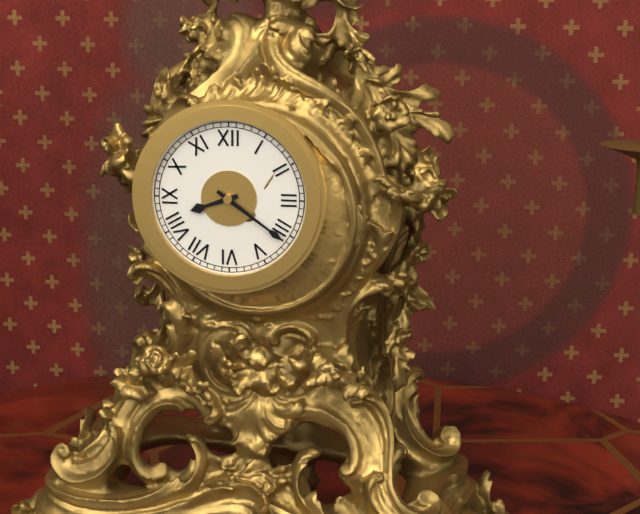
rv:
8h21
